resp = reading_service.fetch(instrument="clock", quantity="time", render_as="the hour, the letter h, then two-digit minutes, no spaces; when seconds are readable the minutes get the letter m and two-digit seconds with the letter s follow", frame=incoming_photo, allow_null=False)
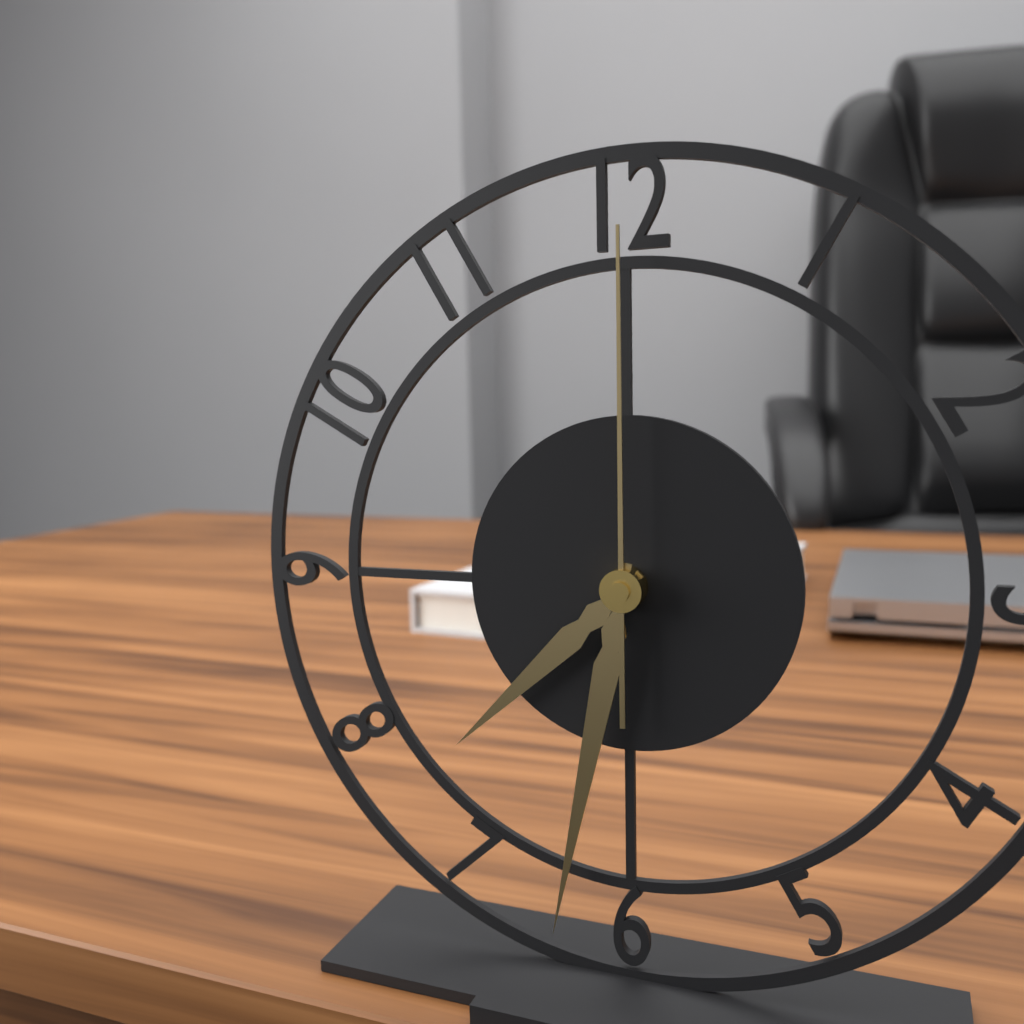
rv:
7h32m00s
